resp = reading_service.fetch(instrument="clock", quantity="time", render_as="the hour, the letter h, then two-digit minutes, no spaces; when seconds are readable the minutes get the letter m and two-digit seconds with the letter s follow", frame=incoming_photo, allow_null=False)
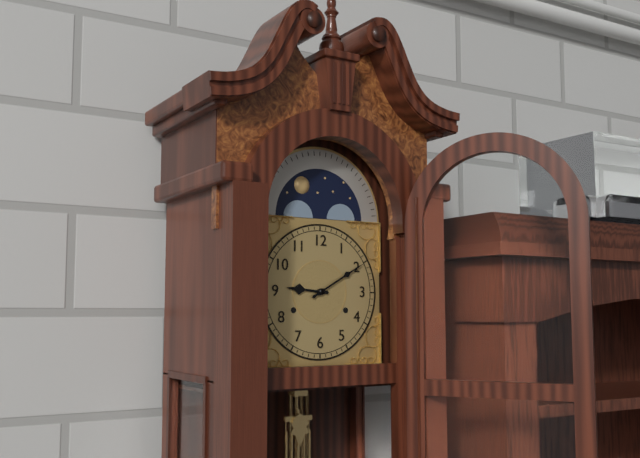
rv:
9h10
